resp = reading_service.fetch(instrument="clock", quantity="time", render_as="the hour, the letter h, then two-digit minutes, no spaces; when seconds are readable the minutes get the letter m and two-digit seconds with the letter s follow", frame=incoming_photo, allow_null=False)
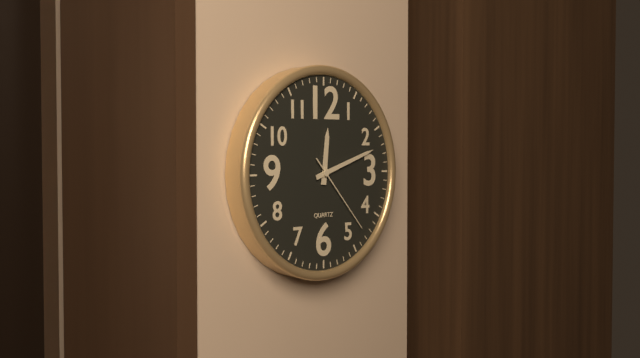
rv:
12h12m23s
